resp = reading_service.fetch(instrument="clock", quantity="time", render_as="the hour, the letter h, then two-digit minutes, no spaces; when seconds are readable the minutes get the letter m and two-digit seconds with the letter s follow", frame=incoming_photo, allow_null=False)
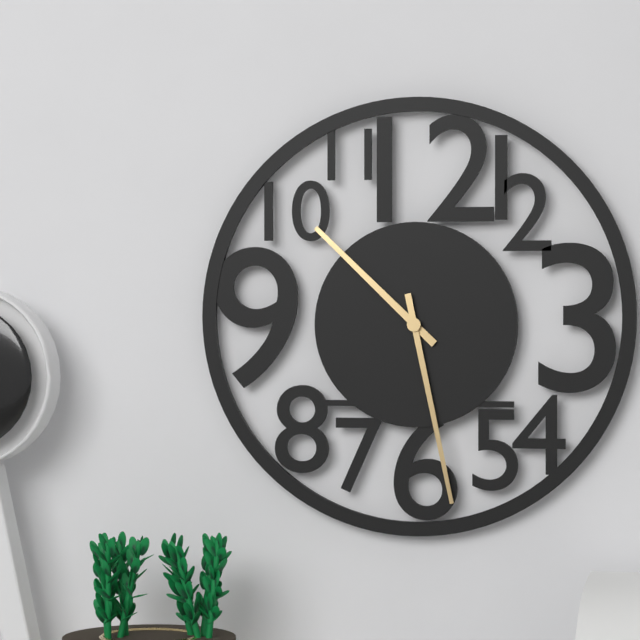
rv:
10h28
